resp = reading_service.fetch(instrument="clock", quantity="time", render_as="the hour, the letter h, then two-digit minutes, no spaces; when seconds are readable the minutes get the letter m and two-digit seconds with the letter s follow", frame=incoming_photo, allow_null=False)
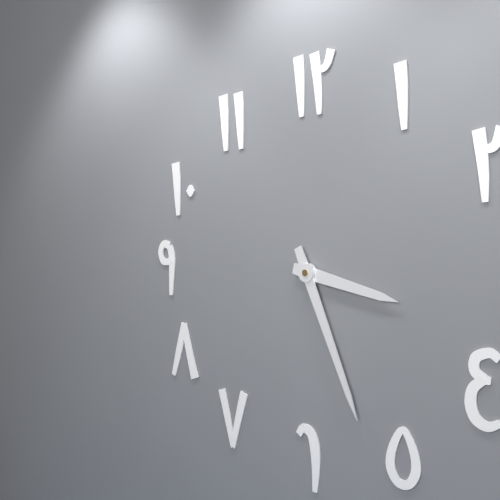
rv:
3h26
